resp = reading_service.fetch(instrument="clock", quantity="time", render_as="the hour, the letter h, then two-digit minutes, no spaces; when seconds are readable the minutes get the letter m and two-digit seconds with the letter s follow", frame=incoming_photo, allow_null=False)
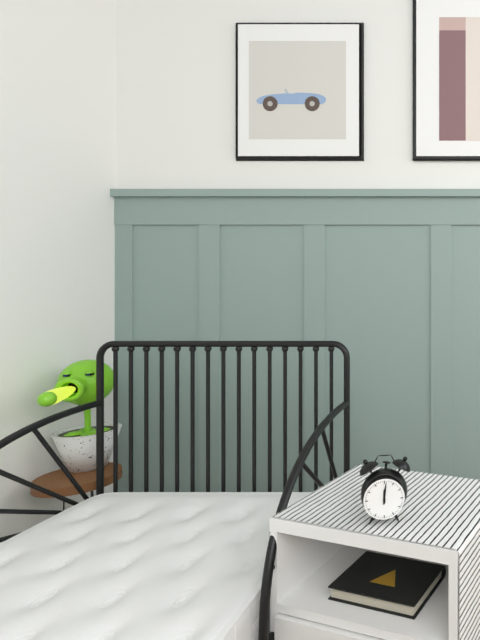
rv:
12h01
